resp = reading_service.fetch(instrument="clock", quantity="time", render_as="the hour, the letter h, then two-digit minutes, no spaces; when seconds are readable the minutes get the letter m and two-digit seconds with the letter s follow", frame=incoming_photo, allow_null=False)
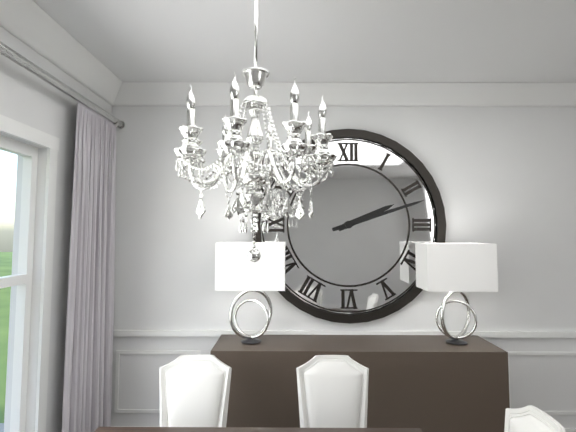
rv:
2h12
